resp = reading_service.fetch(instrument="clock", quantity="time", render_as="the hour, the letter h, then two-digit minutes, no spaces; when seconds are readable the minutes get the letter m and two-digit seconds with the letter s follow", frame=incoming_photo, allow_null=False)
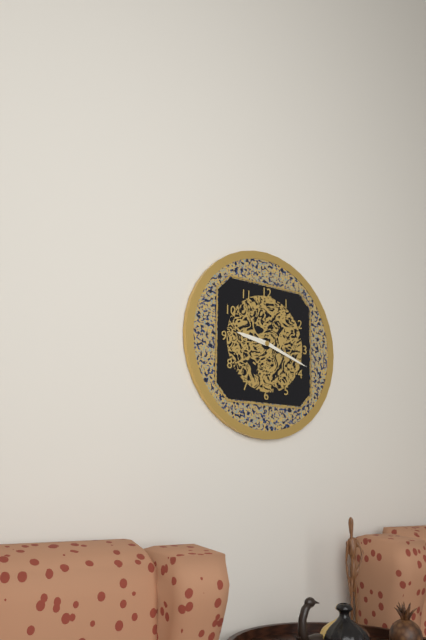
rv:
9h18
